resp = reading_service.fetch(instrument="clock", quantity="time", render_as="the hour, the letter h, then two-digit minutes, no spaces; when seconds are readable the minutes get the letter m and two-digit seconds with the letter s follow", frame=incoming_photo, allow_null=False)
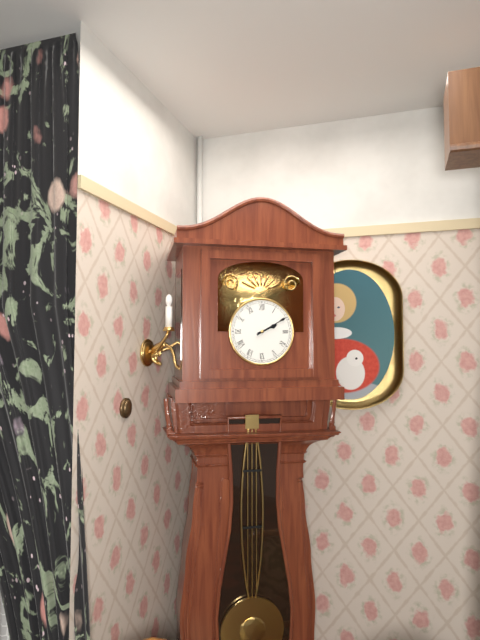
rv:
2h10
